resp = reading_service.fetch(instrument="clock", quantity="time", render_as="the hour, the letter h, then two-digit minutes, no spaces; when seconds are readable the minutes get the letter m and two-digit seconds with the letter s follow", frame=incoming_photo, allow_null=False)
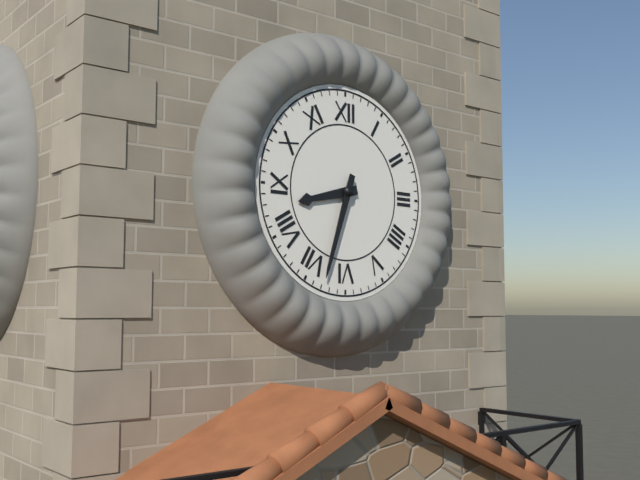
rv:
8h33
